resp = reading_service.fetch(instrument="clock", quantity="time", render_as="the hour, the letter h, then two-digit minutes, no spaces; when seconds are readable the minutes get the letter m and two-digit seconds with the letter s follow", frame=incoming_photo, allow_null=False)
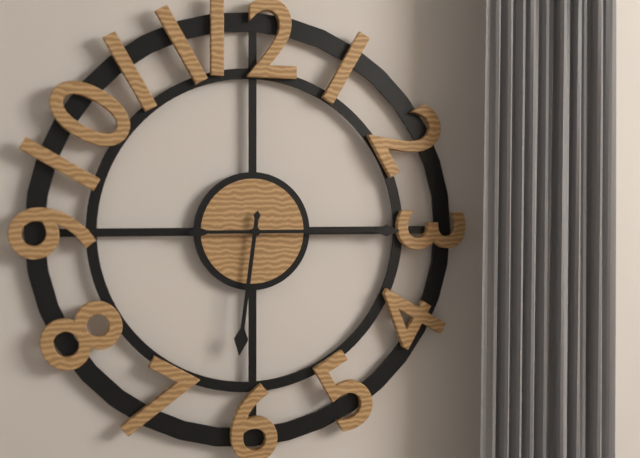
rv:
6h15
